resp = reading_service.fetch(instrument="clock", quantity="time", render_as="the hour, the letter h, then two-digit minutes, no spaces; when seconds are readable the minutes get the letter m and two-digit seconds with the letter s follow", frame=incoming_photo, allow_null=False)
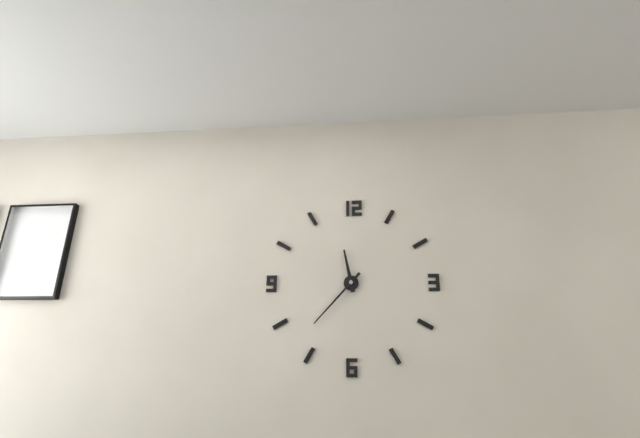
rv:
11h37
